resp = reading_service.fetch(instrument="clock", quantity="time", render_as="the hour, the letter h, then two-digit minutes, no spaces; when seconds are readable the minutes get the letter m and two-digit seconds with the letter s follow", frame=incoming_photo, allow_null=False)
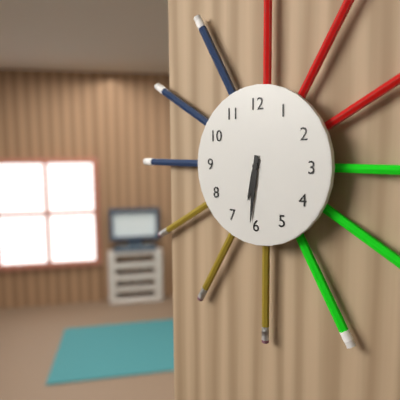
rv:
6h31
